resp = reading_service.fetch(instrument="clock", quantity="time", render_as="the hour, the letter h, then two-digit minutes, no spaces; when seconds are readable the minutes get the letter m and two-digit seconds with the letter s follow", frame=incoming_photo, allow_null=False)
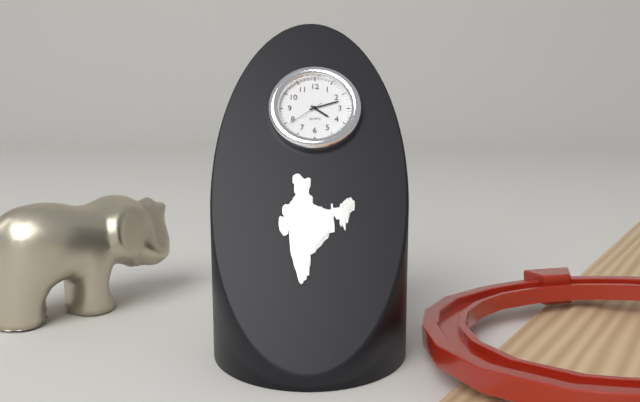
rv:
4h12
